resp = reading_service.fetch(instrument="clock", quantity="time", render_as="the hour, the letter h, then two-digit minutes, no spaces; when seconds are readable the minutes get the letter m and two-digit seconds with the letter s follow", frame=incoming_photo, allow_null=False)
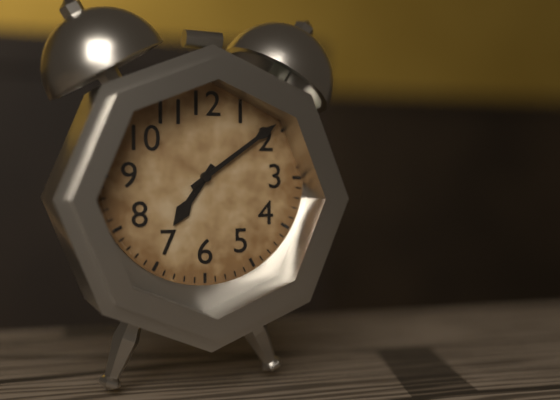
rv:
7h09
